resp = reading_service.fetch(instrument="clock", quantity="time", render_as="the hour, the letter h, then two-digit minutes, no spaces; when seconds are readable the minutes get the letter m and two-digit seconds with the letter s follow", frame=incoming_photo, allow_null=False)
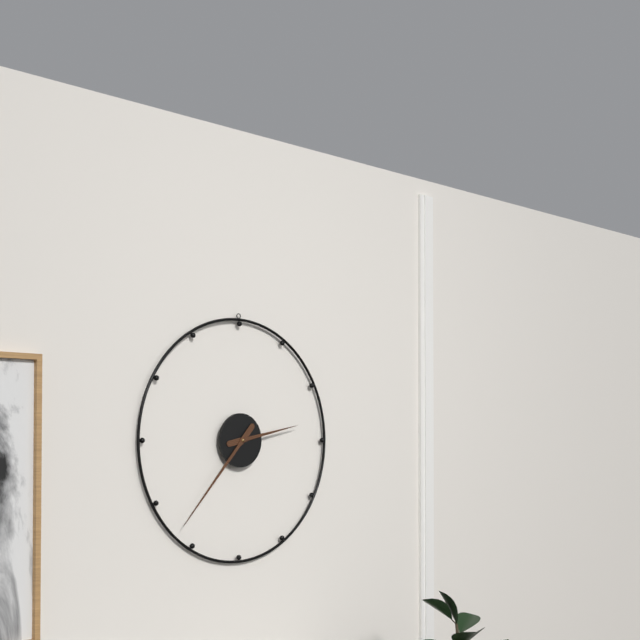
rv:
2h37
